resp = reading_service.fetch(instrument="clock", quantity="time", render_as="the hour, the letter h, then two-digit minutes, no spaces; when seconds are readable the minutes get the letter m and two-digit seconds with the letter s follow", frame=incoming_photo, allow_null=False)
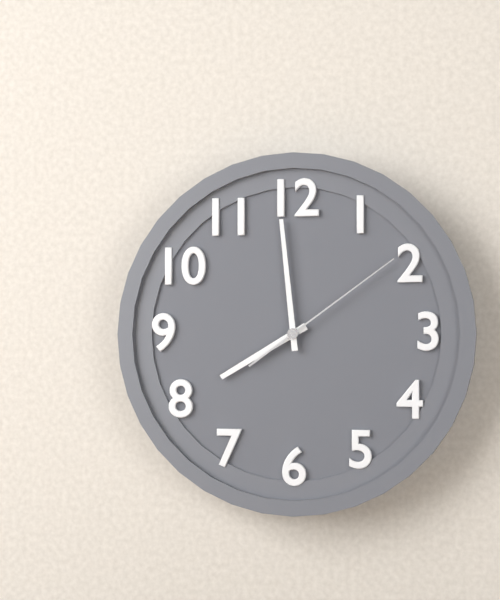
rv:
7h59m09s
